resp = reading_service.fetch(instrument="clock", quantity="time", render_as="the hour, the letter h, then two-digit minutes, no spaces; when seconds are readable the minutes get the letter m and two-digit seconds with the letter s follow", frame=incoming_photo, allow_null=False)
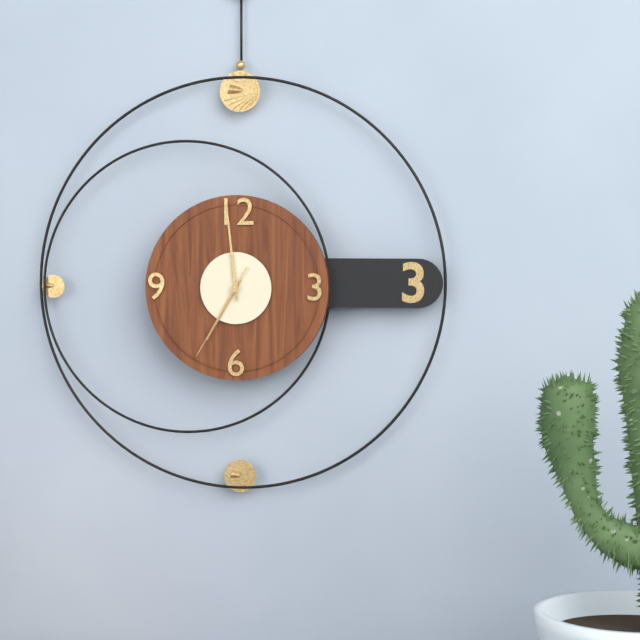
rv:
6h59m35s
